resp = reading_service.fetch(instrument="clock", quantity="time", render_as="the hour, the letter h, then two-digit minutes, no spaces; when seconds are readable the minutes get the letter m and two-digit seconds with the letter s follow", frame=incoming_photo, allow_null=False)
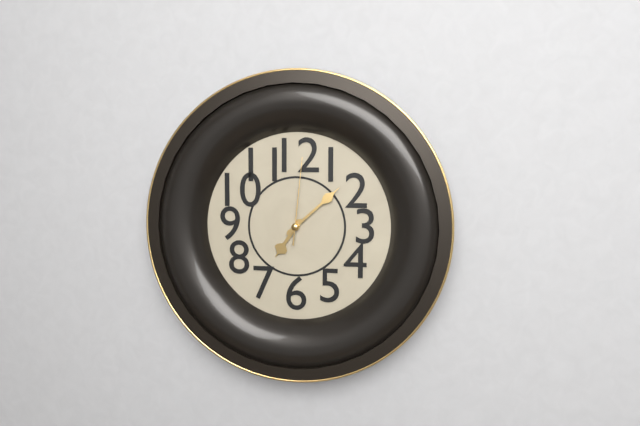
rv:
7h08m01s
